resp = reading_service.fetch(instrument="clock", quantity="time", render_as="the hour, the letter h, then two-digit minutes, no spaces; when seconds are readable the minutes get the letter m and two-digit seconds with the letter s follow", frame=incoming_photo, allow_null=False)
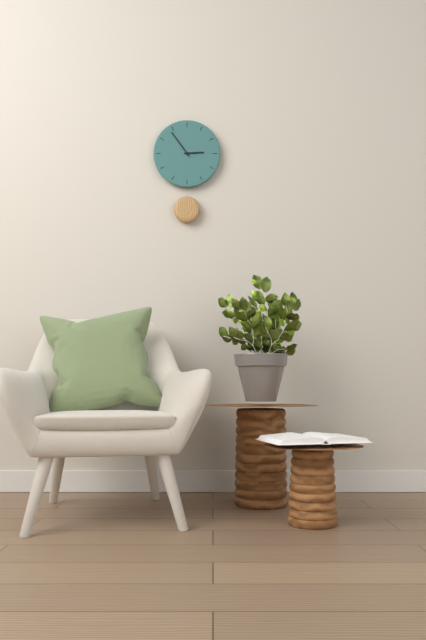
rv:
2h54
